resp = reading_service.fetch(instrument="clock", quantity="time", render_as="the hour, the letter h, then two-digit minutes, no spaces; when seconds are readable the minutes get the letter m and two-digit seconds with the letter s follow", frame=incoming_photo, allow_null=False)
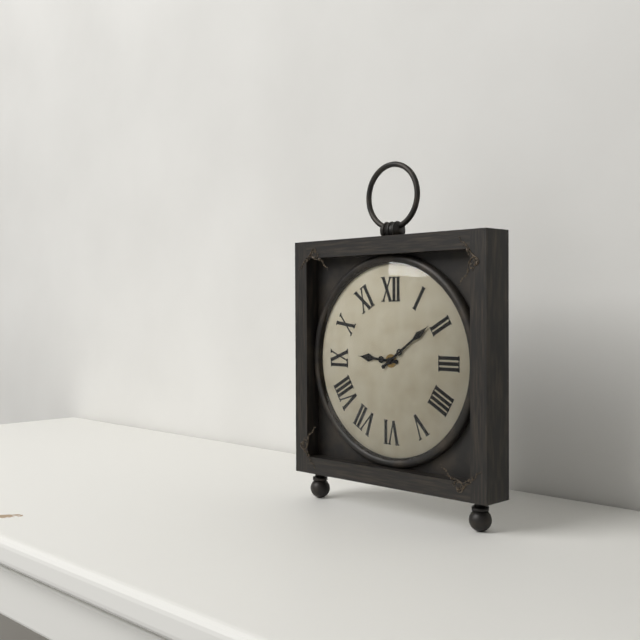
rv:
9h09
